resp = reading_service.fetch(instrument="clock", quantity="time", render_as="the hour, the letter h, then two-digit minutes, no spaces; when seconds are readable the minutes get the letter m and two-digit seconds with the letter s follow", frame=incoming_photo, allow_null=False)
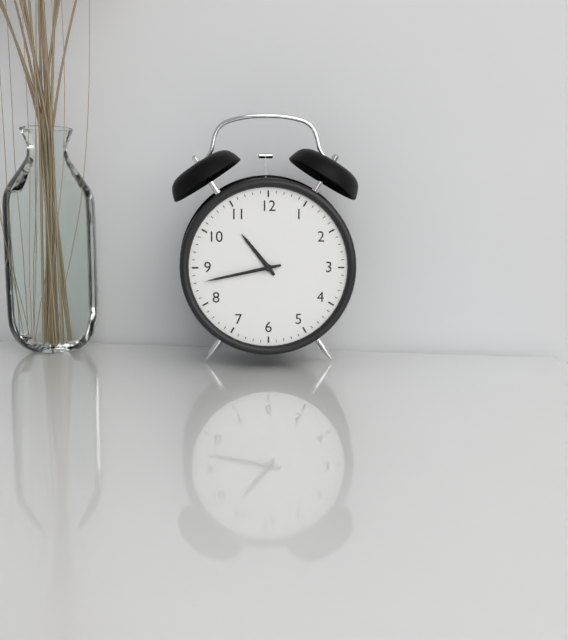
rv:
10h43
